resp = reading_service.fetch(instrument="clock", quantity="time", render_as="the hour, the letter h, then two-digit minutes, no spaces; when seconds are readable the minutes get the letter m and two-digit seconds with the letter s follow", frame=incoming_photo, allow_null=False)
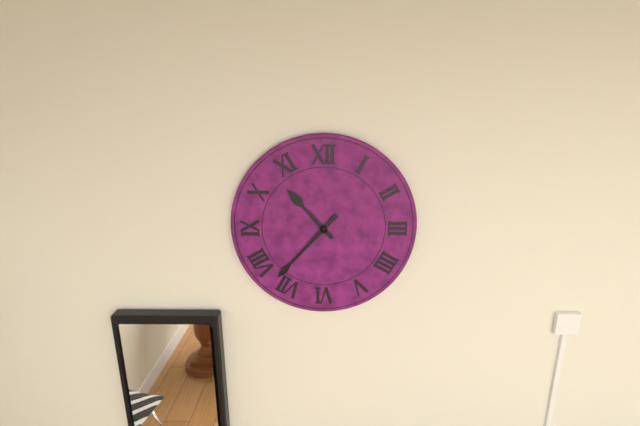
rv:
10h37
